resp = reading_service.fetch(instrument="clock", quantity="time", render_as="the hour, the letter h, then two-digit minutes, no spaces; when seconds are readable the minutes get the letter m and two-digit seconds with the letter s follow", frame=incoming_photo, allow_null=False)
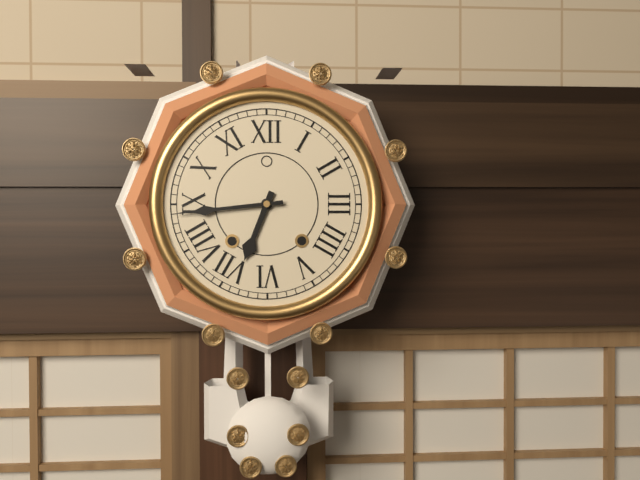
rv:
6h44
